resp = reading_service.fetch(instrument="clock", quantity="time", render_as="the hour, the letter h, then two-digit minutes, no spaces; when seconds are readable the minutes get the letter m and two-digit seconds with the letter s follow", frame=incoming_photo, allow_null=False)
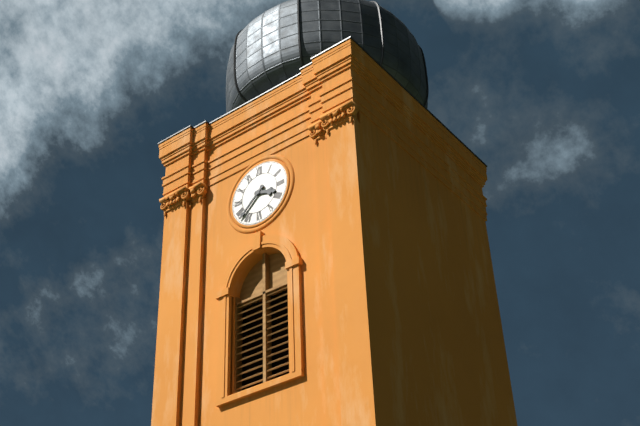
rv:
3h38
